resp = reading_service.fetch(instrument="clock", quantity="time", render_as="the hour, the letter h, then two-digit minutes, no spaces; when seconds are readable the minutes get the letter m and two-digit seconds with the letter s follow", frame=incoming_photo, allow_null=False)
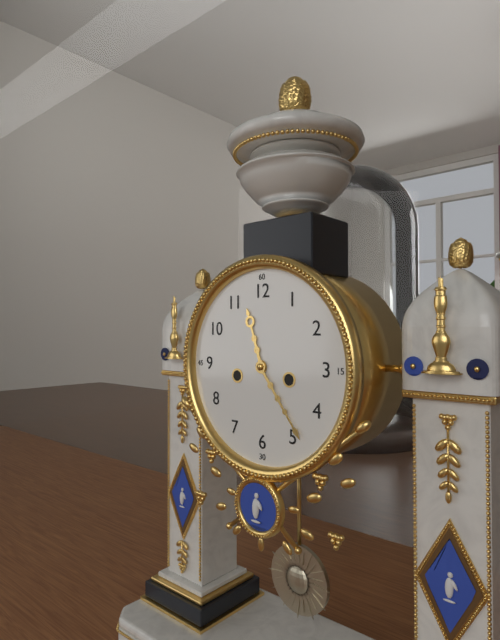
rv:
11h24
